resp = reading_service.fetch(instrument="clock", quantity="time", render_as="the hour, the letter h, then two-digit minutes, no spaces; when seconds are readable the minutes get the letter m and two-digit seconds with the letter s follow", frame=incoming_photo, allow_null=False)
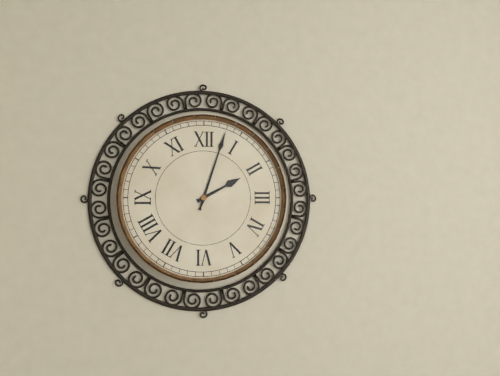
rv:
2h03
